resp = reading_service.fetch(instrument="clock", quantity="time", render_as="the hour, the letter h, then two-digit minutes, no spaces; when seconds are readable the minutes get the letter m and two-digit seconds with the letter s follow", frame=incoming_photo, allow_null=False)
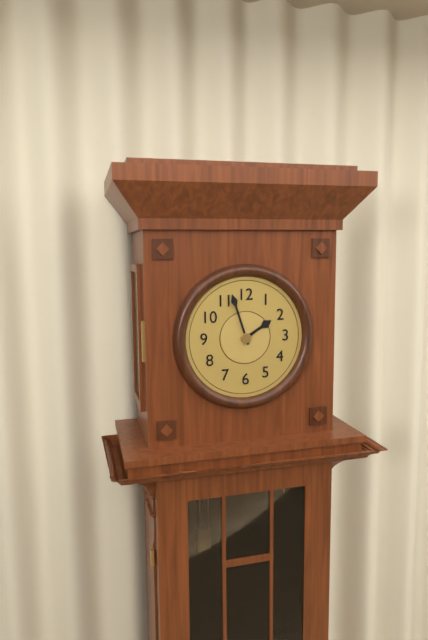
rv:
1h57
